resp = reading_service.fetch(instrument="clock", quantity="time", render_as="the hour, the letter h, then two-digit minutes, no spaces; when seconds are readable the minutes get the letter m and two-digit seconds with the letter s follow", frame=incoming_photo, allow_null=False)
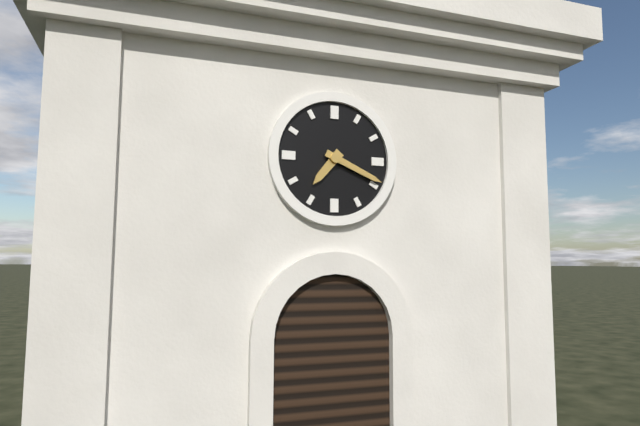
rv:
7h19
